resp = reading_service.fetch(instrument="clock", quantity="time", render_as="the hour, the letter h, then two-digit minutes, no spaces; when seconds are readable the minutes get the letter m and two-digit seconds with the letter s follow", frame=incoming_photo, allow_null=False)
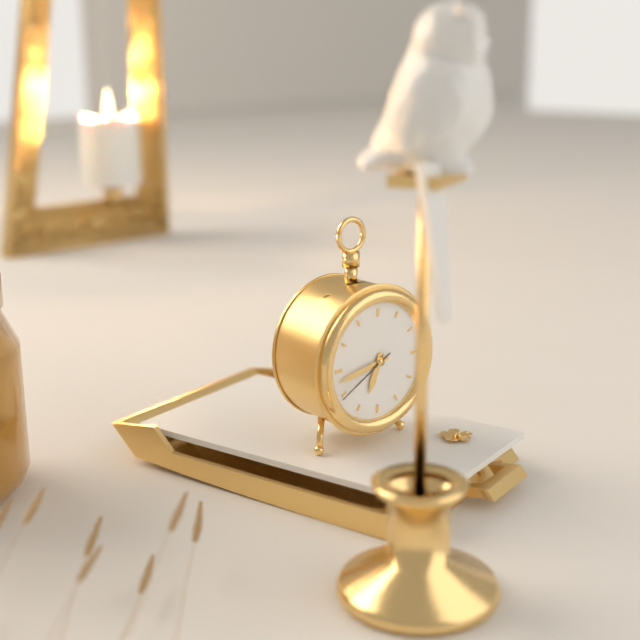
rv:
6h43m40s
